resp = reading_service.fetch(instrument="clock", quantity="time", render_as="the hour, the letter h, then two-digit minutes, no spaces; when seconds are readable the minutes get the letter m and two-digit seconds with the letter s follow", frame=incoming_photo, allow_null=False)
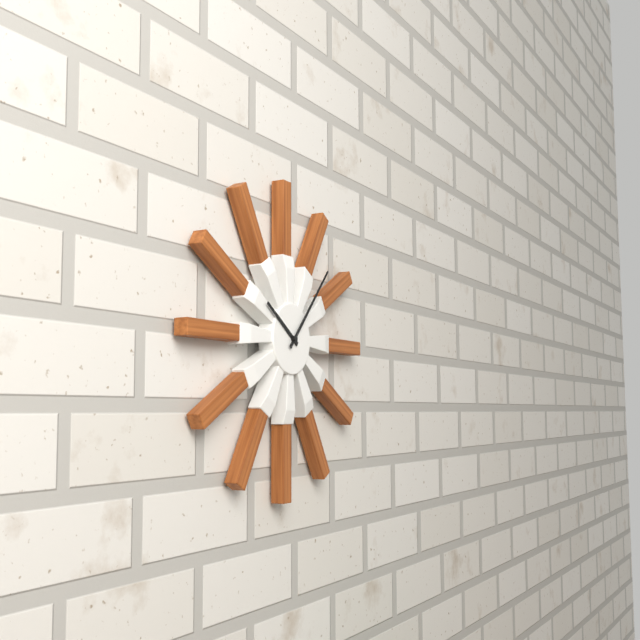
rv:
10h07
